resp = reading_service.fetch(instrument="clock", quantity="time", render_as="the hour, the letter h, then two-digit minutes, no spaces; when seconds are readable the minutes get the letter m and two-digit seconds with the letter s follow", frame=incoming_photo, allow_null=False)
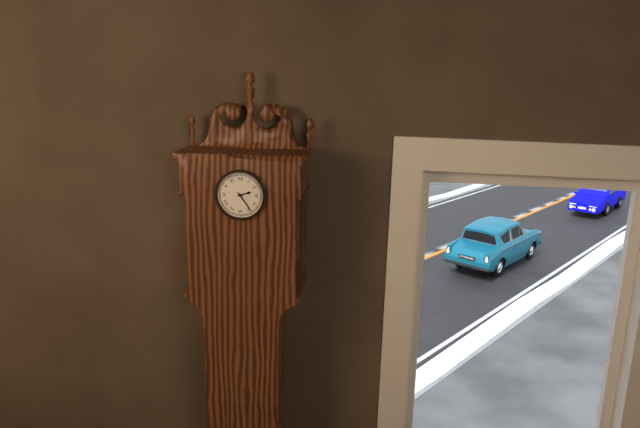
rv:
2h24
